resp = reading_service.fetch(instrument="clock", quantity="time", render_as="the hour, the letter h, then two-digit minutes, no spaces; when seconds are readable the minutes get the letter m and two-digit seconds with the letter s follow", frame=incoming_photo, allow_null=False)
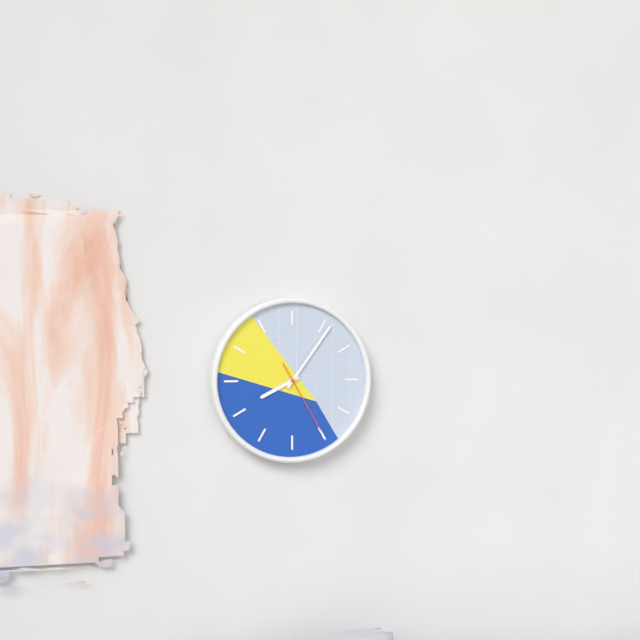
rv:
8h06m25s
